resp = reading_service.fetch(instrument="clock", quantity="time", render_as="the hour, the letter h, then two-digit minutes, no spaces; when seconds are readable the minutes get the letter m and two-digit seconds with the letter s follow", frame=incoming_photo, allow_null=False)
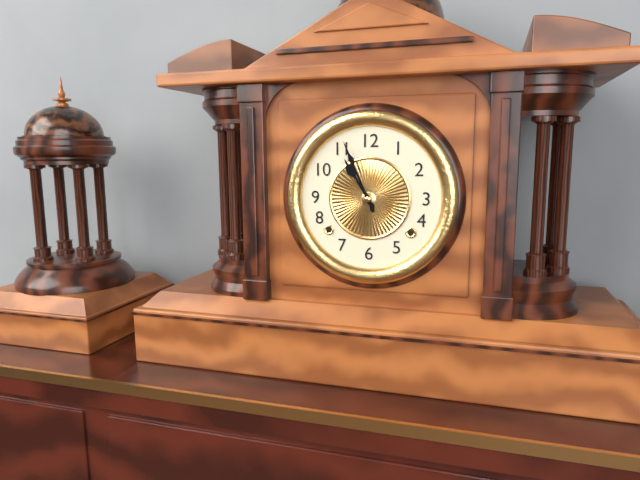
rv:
10h56
